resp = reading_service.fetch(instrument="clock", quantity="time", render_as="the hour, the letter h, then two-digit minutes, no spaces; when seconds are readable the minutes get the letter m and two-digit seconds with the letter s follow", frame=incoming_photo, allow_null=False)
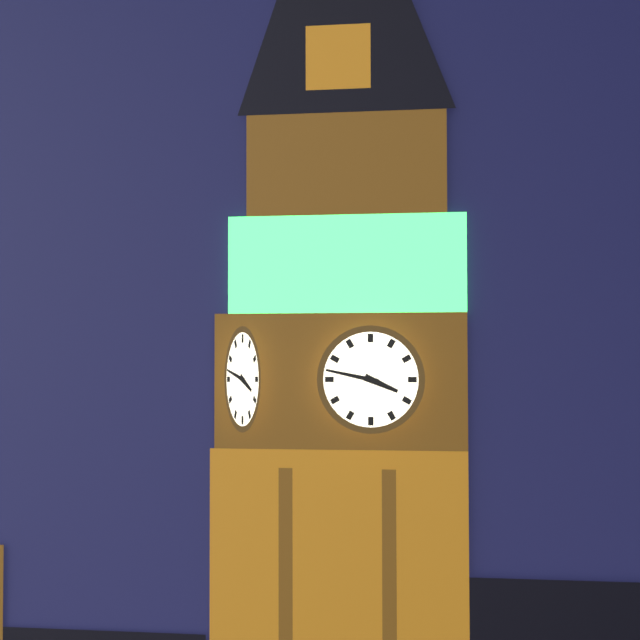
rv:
3h47
